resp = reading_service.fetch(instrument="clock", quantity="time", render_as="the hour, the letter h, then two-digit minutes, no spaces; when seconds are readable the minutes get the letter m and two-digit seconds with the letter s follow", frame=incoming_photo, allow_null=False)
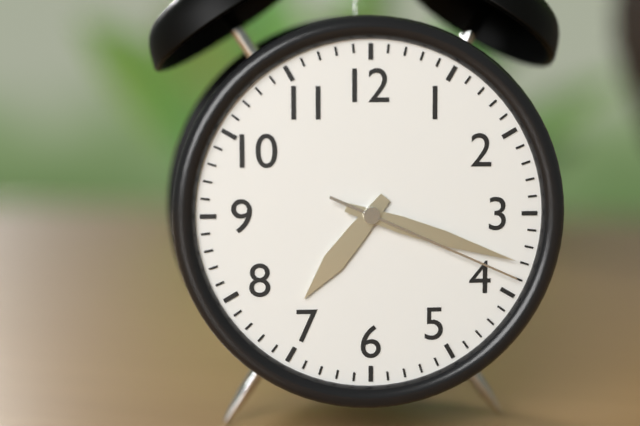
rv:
7h18m19s
